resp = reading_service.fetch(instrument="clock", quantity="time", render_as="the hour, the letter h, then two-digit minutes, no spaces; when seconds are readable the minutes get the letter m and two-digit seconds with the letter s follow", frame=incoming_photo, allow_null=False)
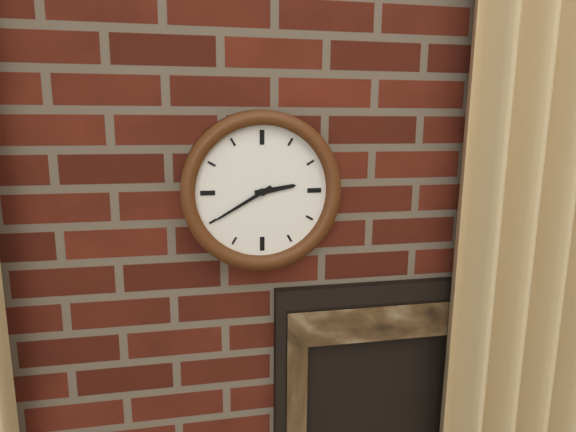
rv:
2h40
